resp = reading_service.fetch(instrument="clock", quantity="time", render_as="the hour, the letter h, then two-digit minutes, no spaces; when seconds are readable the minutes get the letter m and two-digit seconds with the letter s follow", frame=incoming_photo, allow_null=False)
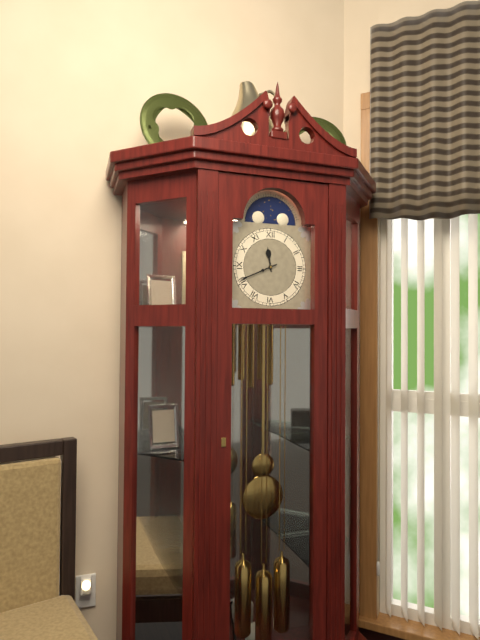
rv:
11h41
